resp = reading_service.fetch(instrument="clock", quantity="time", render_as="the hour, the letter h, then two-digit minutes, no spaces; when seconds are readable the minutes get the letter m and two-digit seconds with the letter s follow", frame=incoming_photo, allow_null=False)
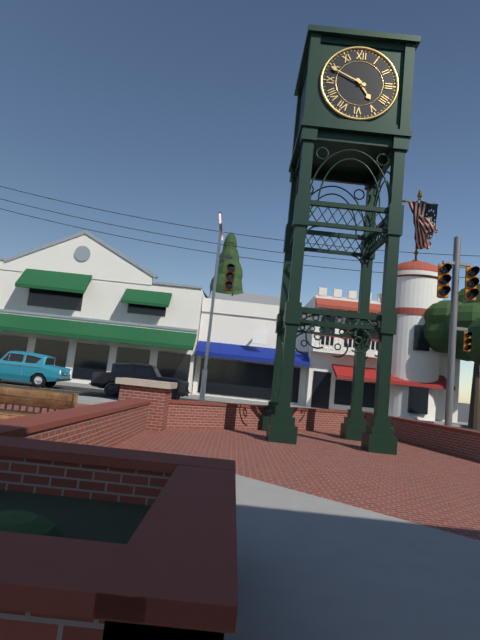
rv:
4h49
